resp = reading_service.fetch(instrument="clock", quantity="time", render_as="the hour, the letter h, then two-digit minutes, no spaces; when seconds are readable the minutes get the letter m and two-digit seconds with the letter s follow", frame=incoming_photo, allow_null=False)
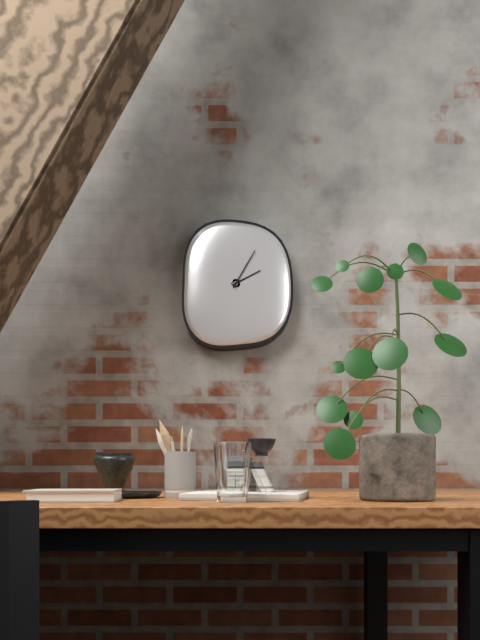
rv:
2h05
